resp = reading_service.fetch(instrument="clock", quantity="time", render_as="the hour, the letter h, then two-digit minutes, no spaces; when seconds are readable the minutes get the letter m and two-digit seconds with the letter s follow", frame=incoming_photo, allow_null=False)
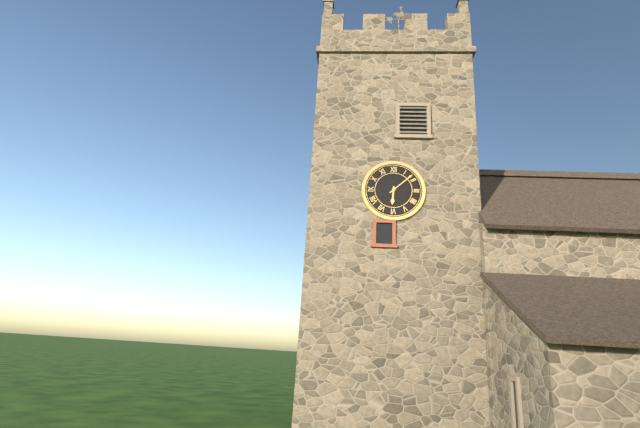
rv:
6h08
